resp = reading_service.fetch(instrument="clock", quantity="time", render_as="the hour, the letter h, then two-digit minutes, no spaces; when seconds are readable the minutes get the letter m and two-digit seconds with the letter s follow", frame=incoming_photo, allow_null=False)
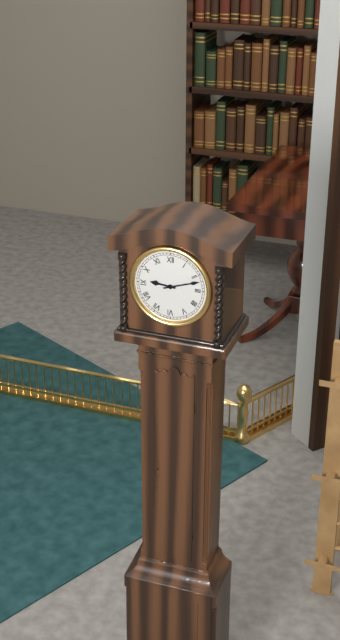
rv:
9h12
